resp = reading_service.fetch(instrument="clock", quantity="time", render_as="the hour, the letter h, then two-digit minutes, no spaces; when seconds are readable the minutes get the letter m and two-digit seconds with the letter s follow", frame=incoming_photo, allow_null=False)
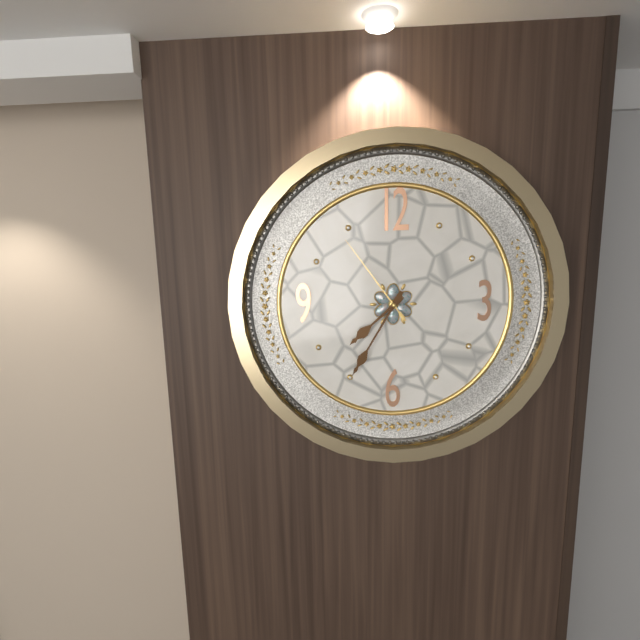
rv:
7h35m54s
